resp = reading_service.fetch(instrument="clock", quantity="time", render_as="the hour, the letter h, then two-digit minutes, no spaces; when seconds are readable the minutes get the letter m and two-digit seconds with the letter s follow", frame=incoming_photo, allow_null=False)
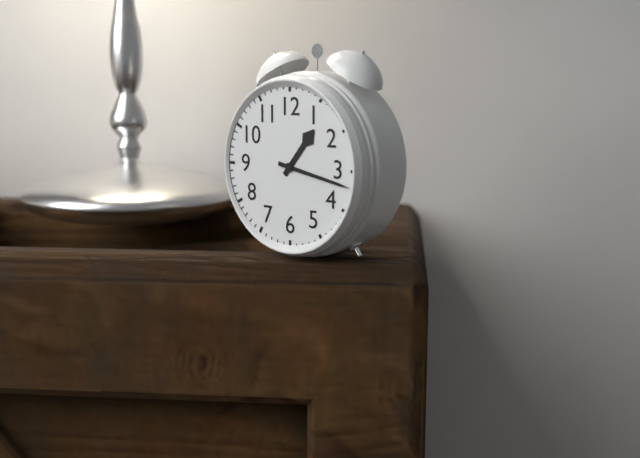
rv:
1h17
